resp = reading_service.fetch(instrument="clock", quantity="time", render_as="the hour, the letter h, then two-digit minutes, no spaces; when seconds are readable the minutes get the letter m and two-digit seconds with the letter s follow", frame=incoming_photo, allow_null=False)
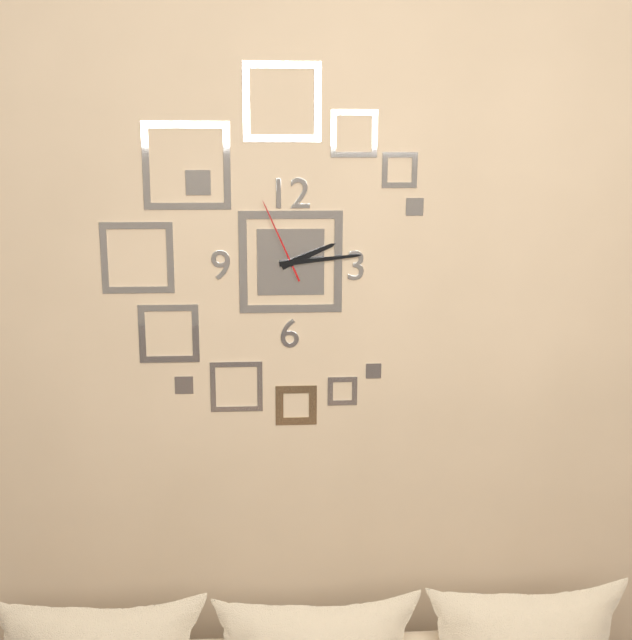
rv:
2h14m56s
